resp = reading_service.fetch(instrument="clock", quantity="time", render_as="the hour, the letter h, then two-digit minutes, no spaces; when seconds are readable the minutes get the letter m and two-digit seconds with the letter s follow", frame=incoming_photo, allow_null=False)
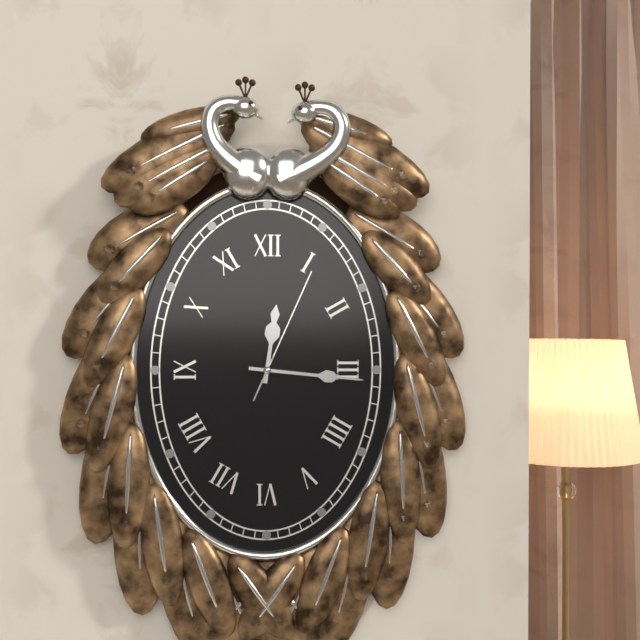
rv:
12h16m04s
